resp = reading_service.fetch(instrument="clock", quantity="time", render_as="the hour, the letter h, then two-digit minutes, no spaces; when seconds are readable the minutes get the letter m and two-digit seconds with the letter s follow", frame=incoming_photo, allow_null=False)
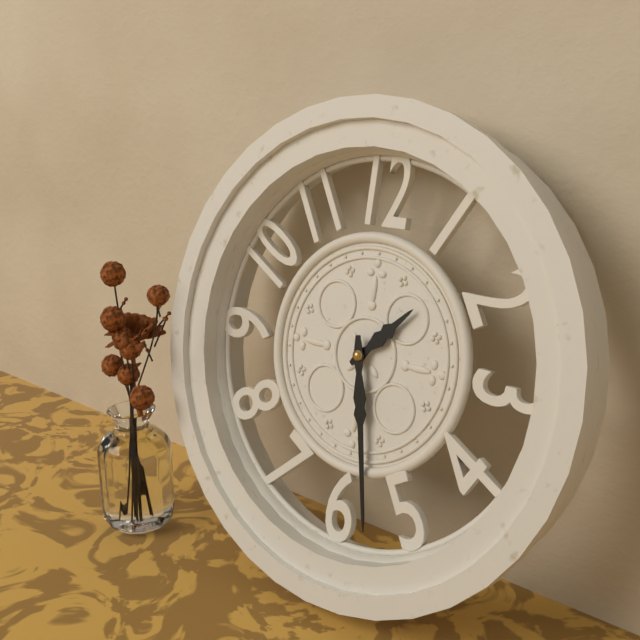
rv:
1h28
